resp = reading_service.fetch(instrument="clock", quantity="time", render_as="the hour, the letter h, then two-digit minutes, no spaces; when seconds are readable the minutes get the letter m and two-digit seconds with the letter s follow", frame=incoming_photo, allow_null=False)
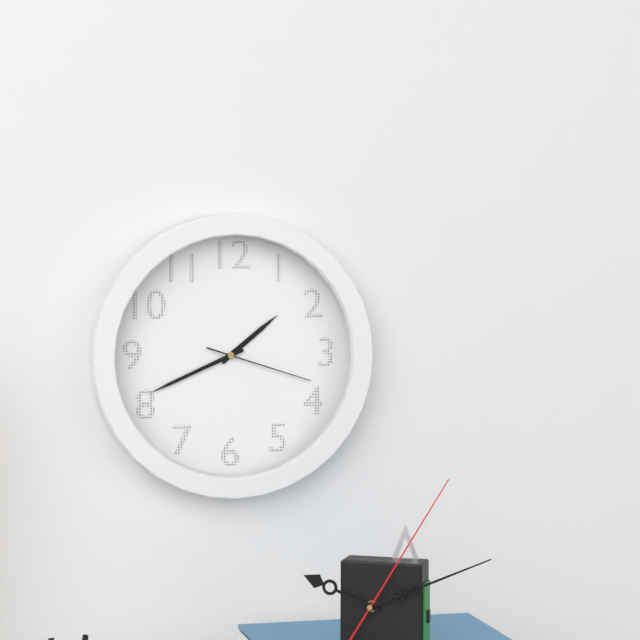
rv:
1h41m18s
